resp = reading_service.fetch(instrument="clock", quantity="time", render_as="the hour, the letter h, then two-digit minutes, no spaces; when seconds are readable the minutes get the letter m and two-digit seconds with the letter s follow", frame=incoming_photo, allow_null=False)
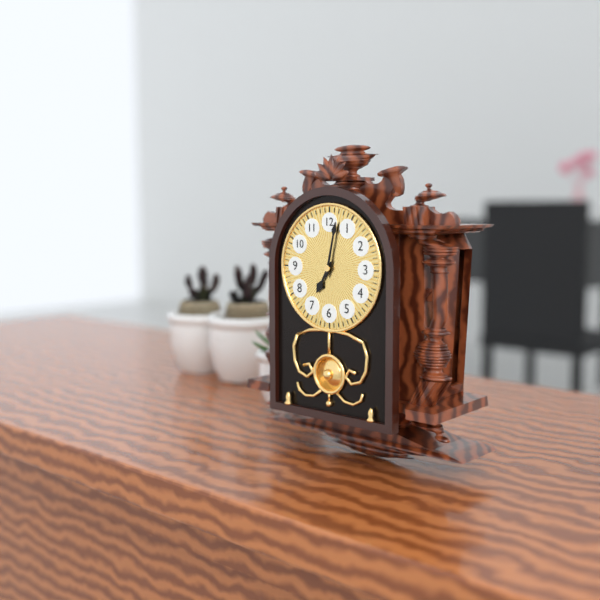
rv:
7h02
